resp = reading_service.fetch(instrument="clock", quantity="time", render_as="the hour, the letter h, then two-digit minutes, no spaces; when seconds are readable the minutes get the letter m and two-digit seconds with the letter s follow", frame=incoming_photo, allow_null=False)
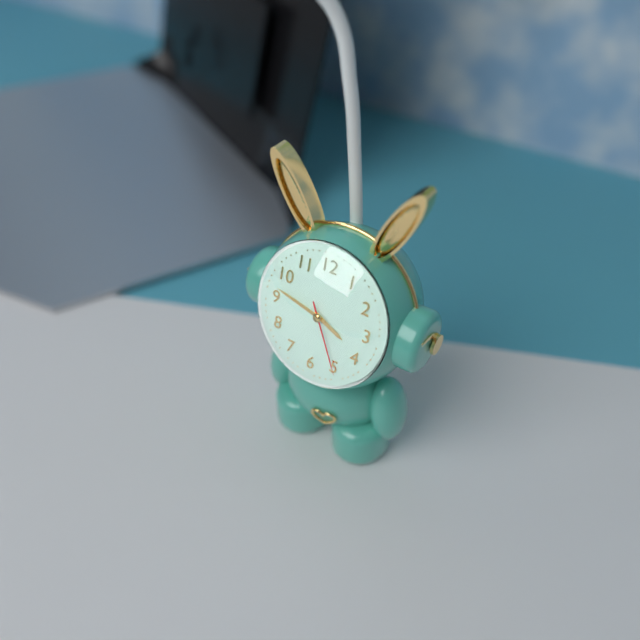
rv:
3h47m25s
